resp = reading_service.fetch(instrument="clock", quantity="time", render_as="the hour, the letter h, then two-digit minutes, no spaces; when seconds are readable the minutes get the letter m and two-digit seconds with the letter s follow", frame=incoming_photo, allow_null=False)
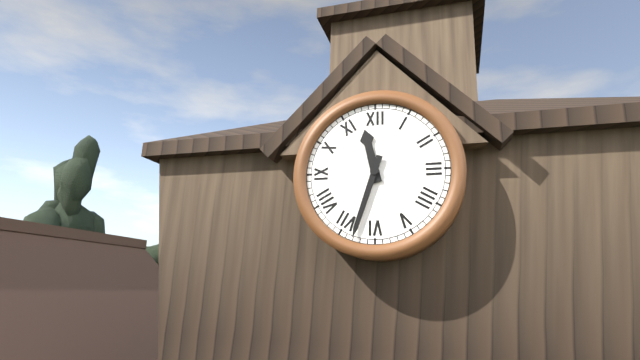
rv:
11h33
